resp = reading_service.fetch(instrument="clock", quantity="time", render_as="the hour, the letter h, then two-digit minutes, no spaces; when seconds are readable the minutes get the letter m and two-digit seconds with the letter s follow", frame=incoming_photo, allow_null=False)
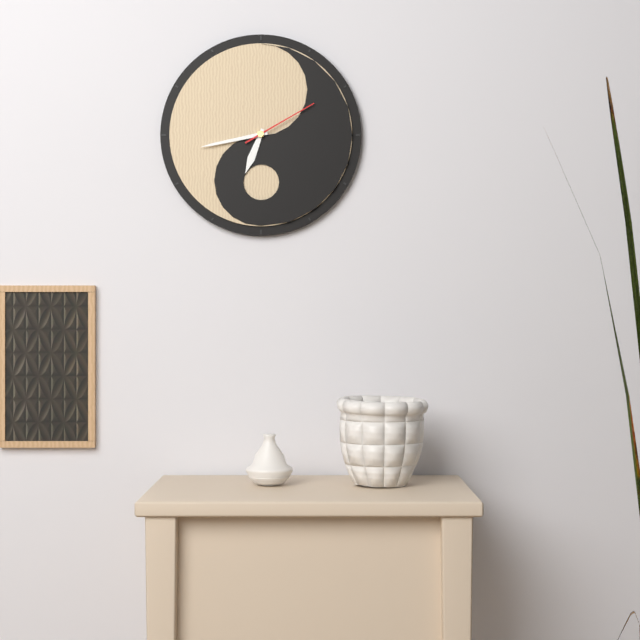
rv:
6h43m10s
